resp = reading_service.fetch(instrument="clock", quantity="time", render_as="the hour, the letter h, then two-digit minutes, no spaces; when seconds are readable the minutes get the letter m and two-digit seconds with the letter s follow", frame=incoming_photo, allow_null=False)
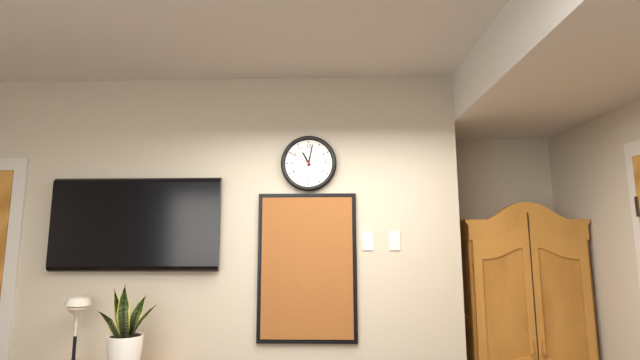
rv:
11h02
